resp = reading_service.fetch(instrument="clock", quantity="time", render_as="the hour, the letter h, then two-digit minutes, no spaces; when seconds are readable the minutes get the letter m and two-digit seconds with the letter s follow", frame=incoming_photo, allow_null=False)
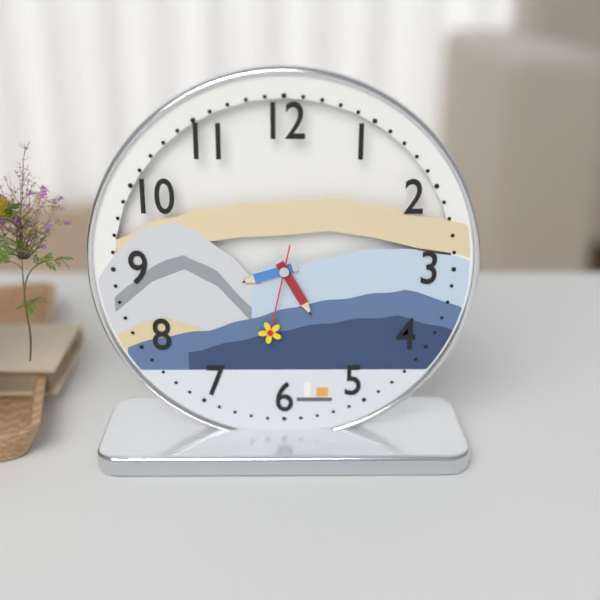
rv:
8h25m32s
